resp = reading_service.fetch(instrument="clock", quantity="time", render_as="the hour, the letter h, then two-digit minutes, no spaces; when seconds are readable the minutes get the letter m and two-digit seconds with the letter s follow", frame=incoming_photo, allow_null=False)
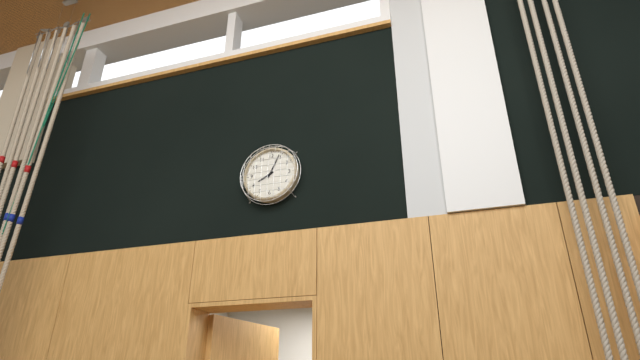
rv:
8h04
